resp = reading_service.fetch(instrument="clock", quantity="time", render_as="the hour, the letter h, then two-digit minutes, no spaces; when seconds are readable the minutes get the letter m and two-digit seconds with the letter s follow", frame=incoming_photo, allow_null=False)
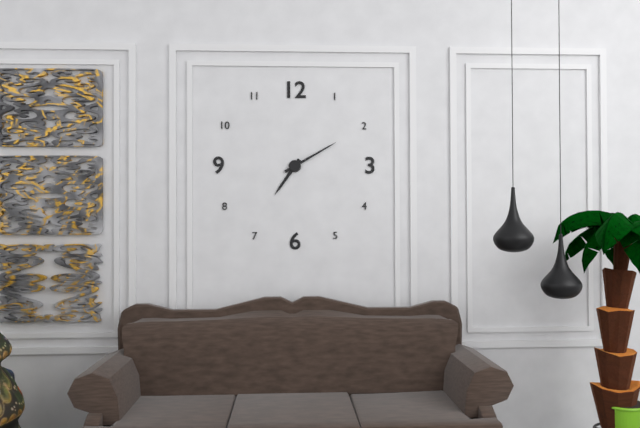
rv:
7h10
